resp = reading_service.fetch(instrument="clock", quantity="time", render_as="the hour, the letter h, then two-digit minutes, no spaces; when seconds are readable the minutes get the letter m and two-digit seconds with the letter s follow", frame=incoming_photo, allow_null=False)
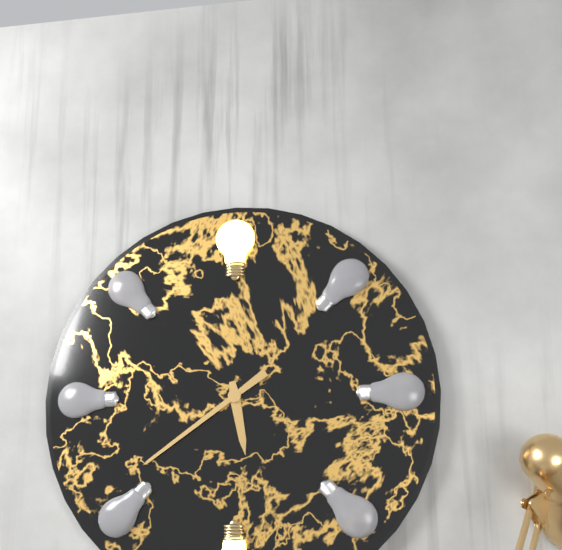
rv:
5h39
